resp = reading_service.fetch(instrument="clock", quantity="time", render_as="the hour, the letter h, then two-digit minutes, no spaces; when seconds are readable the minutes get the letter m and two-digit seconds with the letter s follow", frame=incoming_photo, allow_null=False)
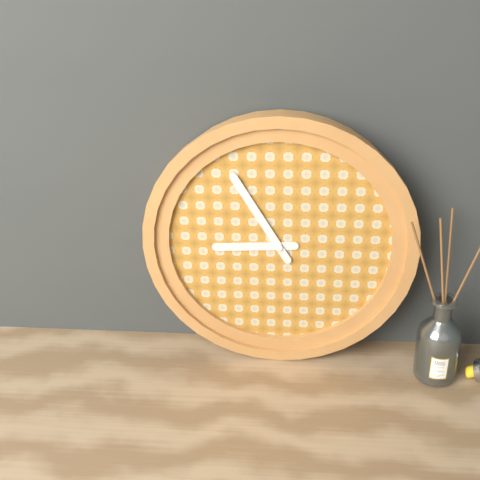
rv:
8h55
